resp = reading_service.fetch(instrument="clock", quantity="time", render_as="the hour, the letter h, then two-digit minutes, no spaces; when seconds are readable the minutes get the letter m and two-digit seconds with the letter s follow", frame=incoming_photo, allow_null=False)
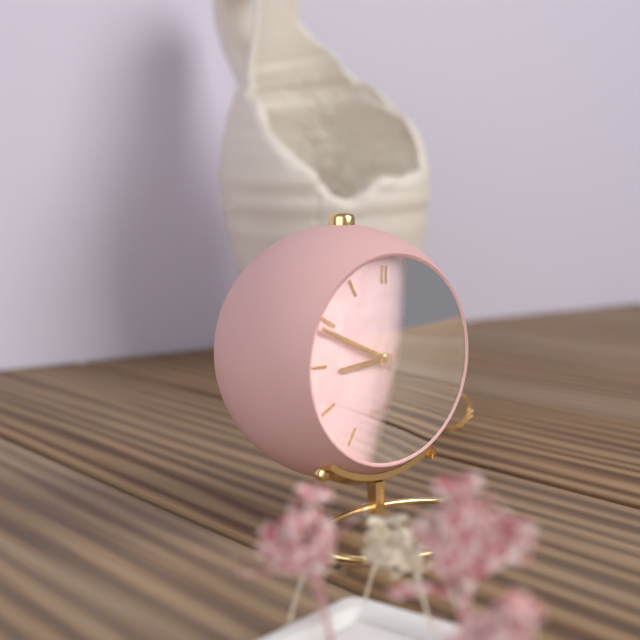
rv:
8h49m20s
